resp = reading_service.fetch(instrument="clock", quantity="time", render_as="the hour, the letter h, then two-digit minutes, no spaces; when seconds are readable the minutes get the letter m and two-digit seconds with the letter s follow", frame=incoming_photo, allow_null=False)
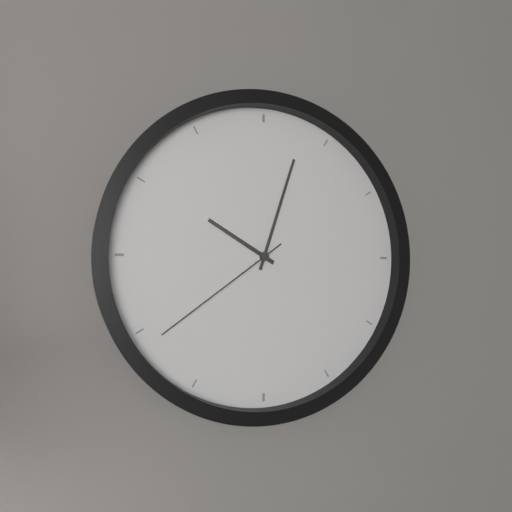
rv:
10h03m39s
